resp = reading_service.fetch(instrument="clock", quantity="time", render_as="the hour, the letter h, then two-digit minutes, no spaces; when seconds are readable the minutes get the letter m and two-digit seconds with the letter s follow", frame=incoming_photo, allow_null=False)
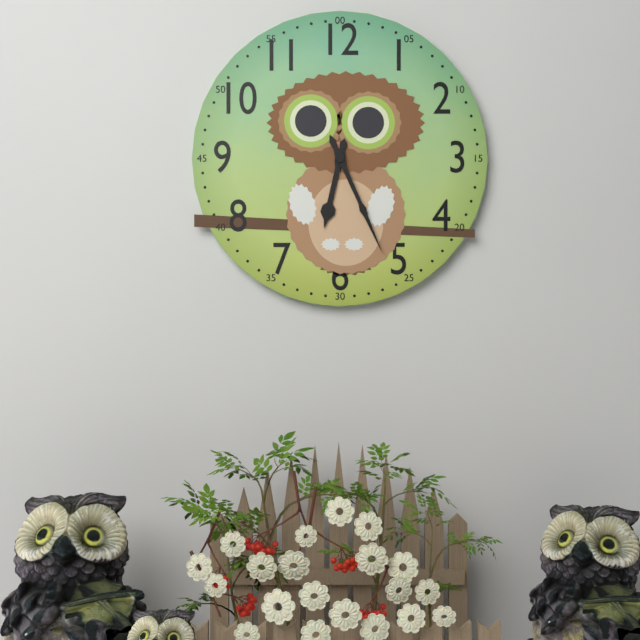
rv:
6h26
